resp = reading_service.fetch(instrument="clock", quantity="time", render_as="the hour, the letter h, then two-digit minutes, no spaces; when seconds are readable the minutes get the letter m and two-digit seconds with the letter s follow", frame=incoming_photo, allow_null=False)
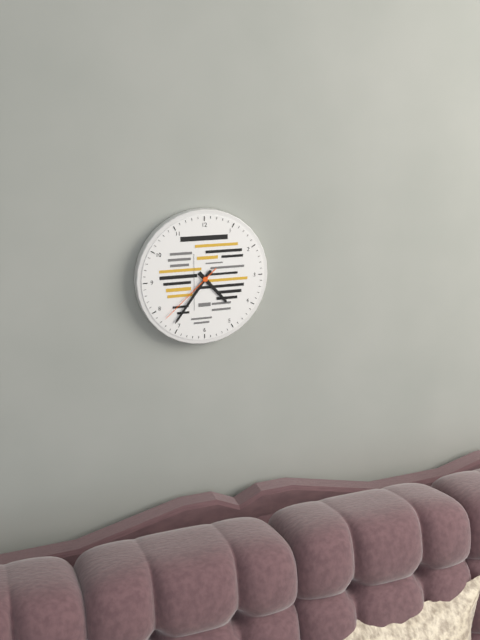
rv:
4h36m38s
